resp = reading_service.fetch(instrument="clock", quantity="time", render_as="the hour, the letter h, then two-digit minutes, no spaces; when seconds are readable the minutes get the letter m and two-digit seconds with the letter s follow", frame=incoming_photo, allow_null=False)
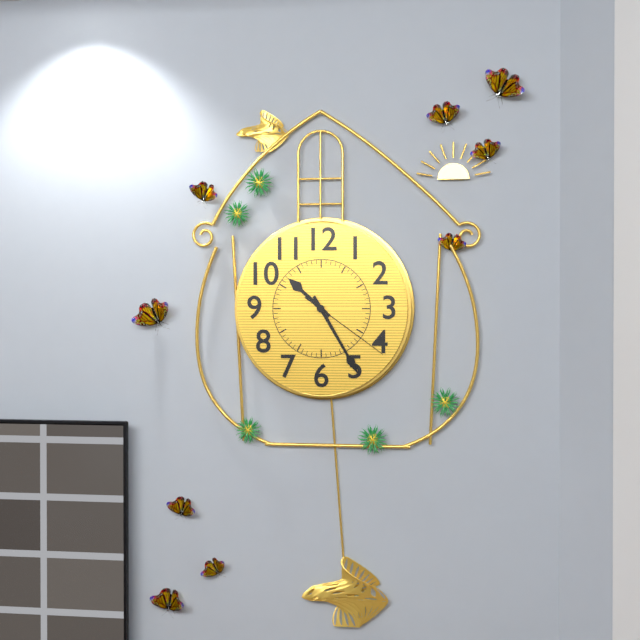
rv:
10h25m21s
